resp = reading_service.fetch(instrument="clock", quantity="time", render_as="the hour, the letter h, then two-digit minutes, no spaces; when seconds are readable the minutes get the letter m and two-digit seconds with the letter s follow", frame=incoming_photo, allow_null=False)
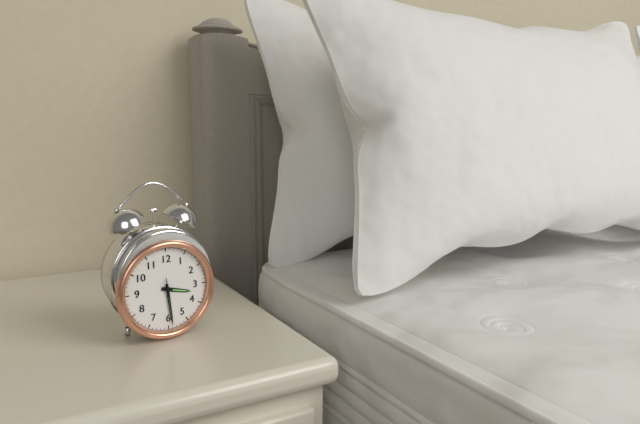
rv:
3h29
